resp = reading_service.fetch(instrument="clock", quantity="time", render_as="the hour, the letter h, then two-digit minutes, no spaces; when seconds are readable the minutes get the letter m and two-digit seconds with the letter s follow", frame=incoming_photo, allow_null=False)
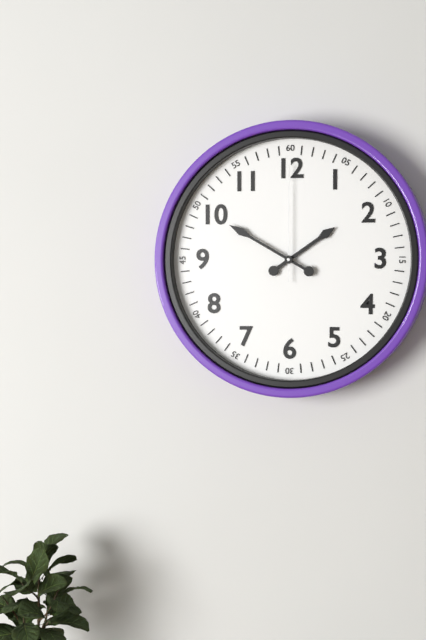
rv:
1h50m00s
